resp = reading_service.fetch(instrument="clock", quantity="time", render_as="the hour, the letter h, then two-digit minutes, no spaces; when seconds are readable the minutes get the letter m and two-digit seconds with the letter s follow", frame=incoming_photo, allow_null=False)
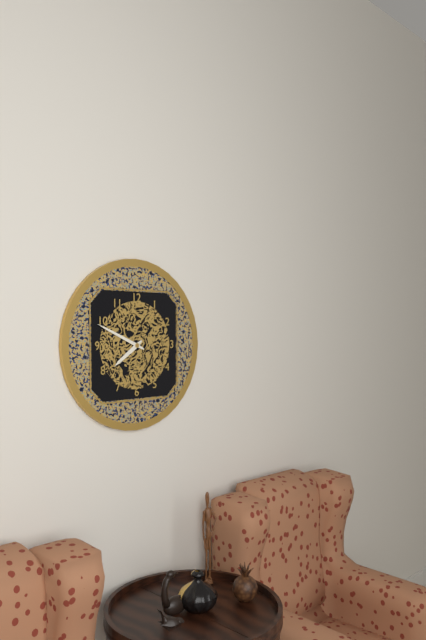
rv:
7h49
